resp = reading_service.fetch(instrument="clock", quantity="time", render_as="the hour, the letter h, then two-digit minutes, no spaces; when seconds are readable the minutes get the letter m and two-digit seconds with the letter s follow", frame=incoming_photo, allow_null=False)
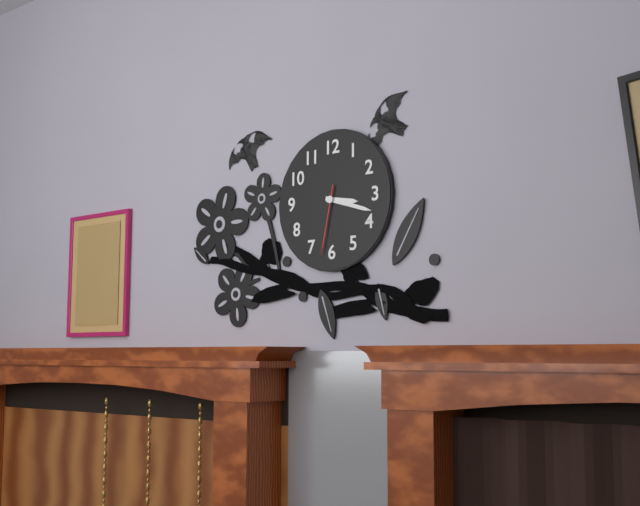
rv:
3h18m32s
